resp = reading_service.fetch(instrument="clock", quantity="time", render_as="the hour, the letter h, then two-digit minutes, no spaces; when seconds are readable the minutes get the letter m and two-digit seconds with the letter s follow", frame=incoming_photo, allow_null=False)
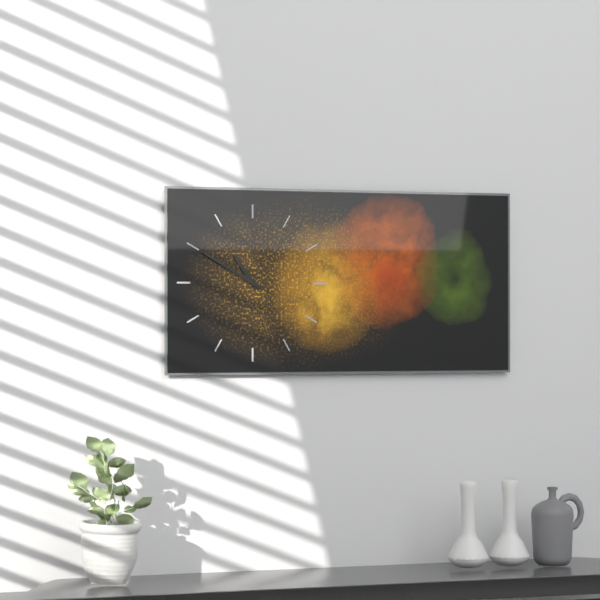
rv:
10h50
